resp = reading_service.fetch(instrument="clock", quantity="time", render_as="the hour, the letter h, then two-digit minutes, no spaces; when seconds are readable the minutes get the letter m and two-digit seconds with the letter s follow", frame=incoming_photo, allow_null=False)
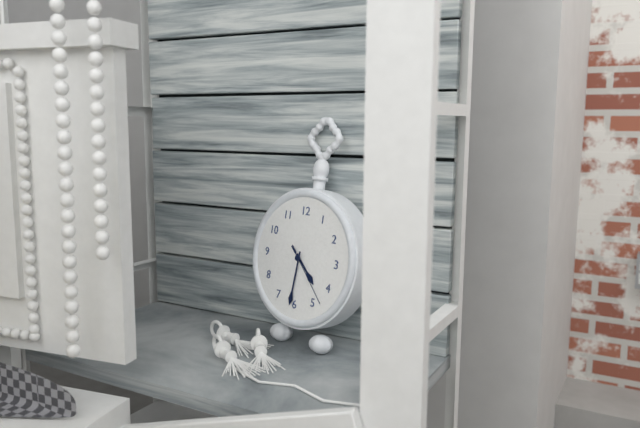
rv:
4h31m23s
